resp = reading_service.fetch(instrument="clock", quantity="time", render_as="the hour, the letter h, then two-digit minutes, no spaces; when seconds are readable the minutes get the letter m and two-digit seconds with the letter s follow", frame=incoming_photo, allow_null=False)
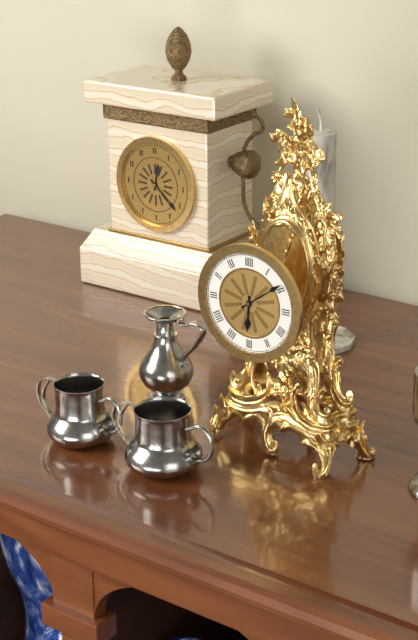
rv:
6h09
